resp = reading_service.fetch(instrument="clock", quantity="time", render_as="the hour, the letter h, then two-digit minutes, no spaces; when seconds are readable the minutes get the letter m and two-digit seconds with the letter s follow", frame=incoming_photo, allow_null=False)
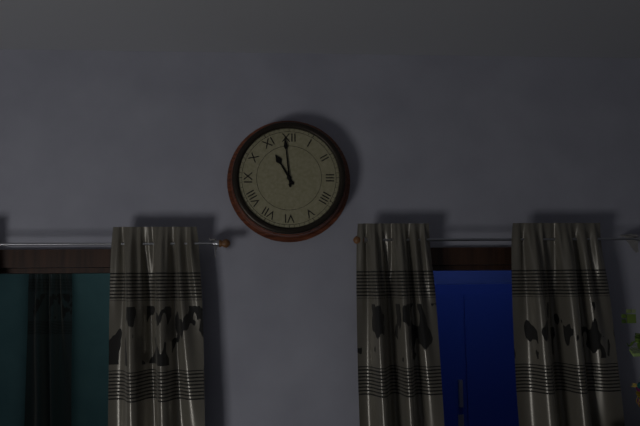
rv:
10h59
